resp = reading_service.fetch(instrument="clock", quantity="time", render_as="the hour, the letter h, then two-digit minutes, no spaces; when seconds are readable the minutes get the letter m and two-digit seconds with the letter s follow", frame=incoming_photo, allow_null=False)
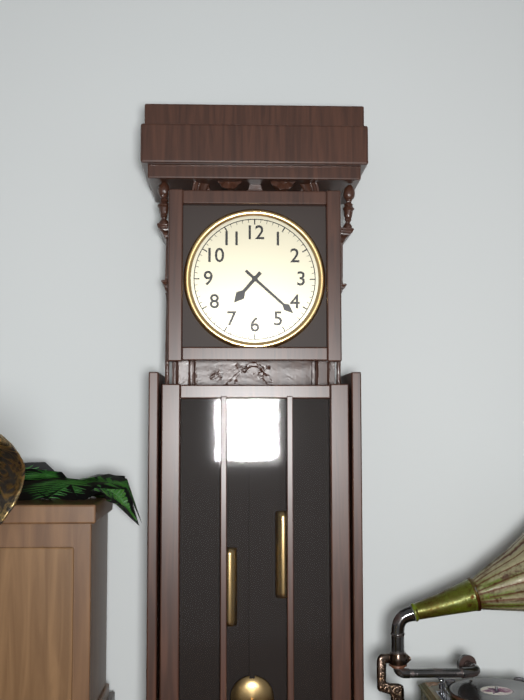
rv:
7h22
